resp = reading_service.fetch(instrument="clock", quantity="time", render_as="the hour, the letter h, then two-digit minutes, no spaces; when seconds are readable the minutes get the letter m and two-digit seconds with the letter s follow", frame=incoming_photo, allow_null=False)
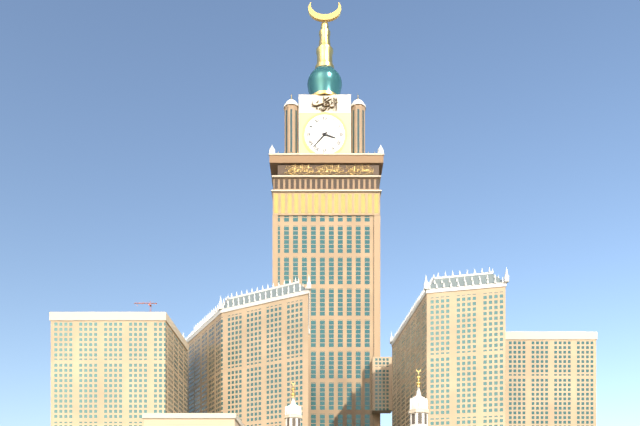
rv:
3h37
